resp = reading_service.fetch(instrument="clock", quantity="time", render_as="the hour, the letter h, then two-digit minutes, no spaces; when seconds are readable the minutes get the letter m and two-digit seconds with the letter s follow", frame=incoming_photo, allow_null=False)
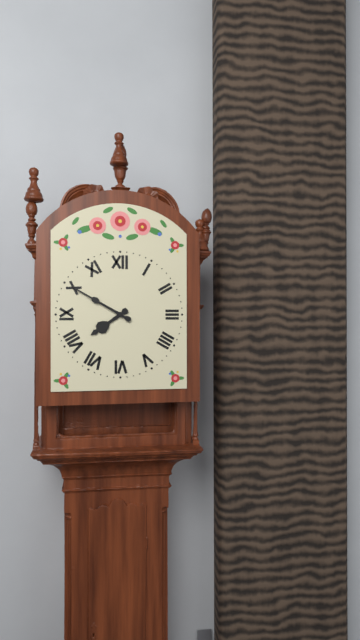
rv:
7h50
